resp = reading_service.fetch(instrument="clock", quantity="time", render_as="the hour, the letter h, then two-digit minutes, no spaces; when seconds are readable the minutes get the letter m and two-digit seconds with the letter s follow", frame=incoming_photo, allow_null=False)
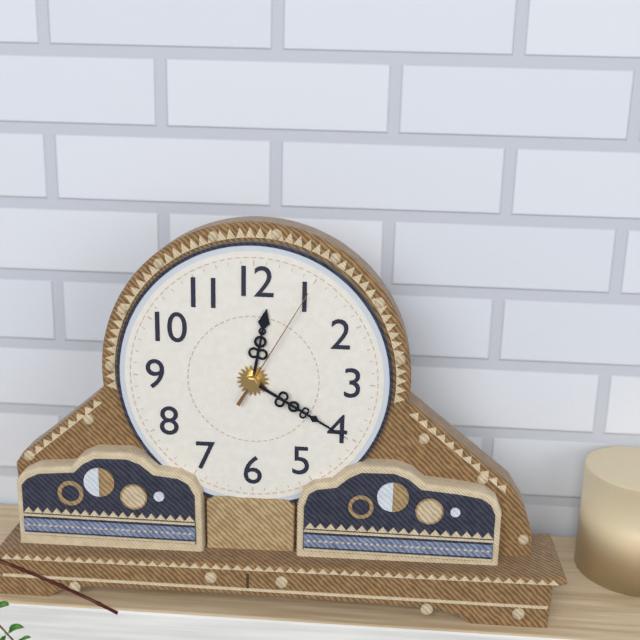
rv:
12h20m05s
